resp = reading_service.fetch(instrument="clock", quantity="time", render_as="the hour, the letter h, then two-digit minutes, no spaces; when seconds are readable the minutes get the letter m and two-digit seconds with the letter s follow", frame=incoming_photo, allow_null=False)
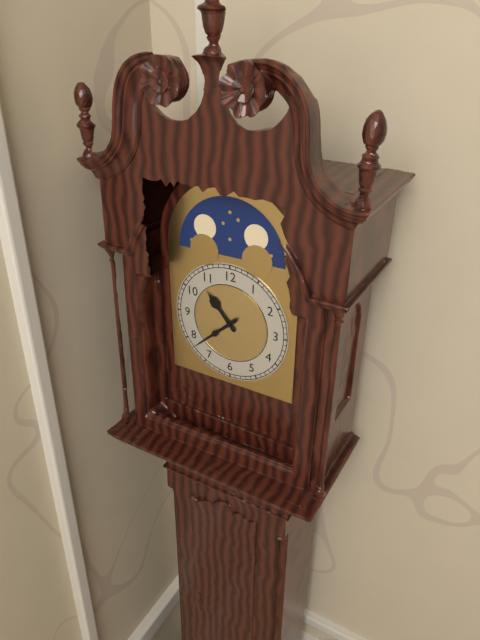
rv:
10h38
